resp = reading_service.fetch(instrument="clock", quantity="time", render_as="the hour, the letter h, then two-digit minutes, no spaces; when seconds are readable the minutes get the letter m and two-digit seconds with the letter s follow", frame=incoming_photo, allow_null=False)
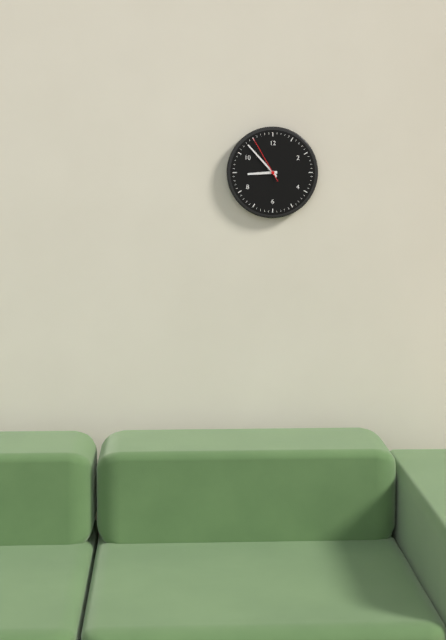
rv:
8h53
